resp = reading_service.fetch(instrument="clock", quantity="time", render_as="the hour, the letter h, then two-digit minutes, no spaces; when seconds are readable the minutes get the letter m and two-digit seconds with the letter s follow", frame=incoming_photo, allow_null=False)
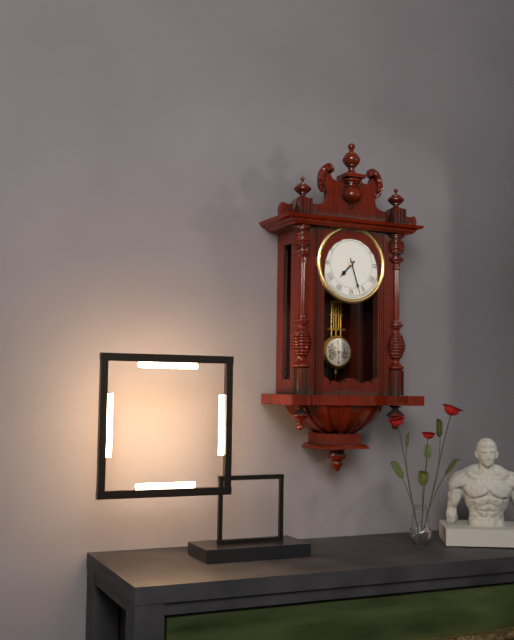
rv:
7h27
